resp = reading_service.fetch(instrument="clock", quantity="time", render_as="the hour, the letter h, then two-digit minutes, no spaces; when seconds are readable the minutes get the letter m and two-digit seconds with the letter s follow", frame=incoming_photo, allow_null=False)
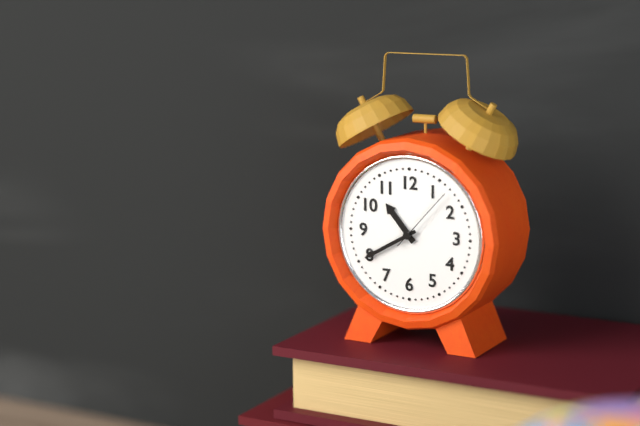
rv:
10h40m07s
